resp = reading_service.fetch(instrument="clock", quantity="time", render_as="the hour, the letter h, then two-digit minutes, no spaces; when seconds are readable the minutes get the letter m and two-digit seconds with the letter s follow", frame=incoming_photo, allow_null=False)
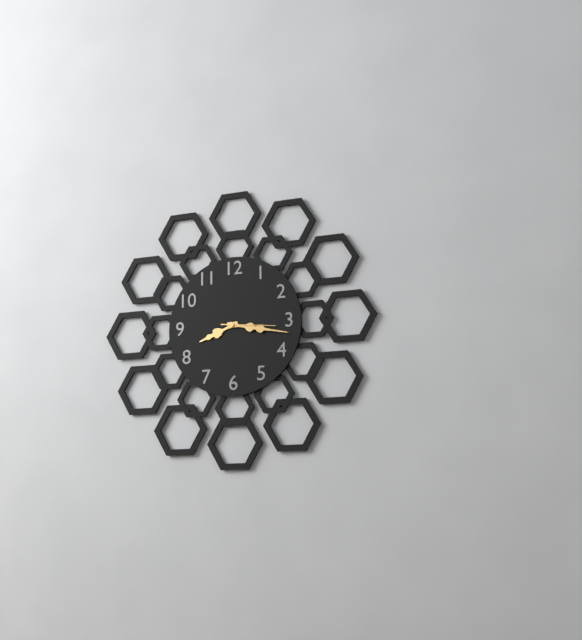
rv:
8h17m16s
